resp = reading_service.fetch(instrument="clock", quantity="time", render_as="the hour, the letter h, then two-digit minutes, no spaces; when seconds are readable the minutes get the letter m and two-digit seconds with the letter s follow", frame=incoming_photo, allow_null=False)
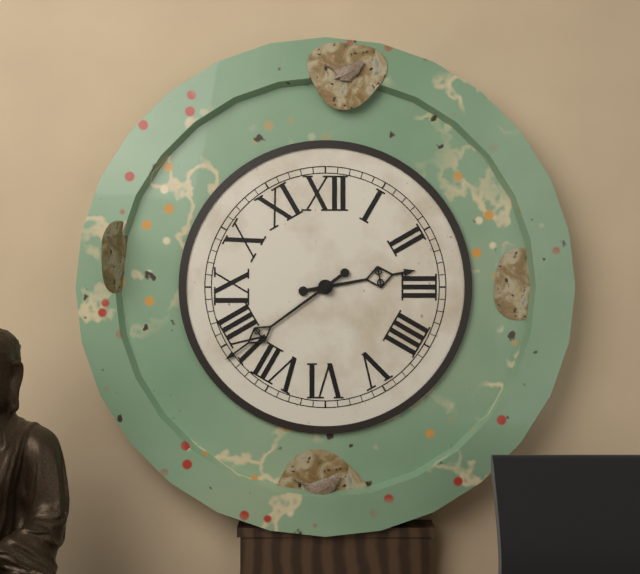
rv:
2h39
